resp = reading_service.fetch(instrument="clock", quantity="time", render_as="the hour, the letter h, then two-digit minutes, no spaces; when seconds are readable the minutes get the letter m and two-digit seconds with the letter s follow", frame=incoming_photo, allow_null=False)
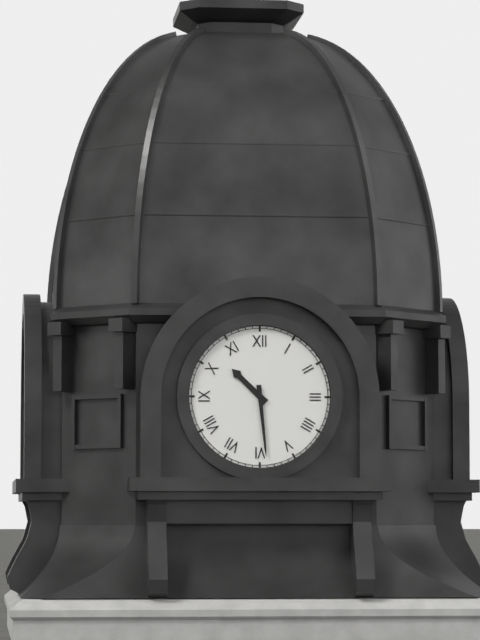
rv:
10h29
